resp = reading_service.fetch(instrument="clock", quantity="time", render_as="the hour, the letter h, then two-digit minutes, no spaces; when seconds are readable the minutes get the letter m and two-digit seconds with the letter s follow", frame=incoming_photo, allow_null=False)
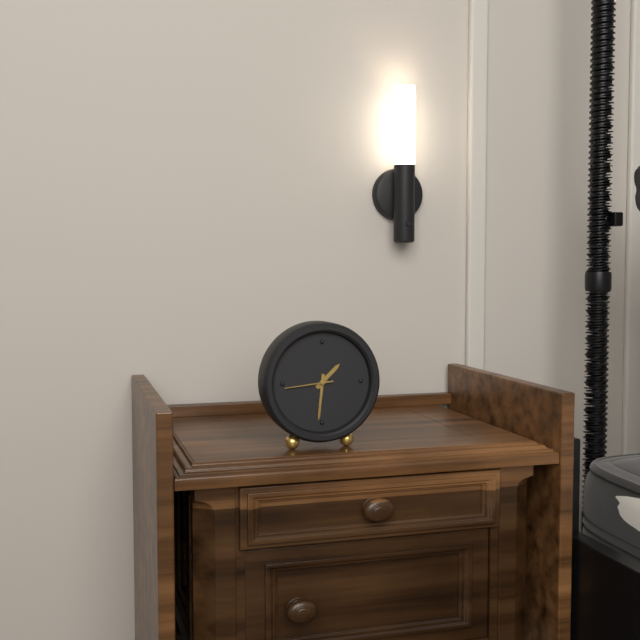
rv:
1h31
